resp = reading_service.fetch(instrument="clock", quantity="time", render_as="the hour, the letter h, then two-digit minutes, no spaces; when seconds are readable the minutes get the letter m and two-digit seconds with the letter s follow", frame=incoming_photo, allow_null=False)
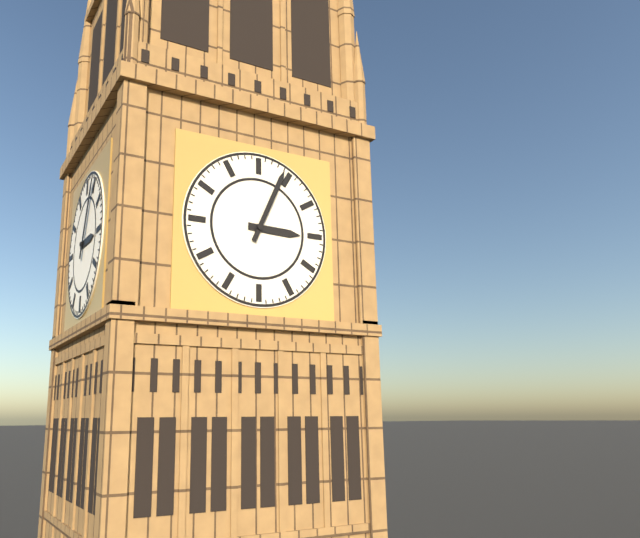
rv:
3h04
